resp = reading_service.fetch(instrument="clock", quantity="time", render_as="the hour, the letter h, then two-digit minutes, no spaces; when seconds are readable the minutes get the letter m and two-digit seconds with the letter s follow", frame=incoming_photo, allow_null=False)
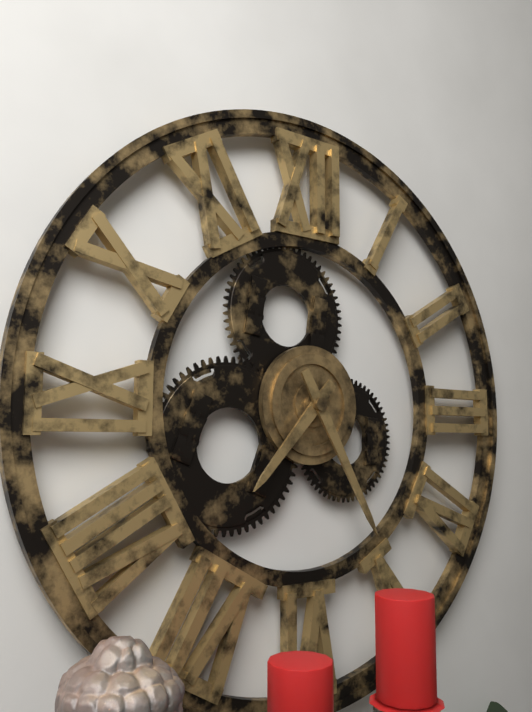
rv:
7h25
